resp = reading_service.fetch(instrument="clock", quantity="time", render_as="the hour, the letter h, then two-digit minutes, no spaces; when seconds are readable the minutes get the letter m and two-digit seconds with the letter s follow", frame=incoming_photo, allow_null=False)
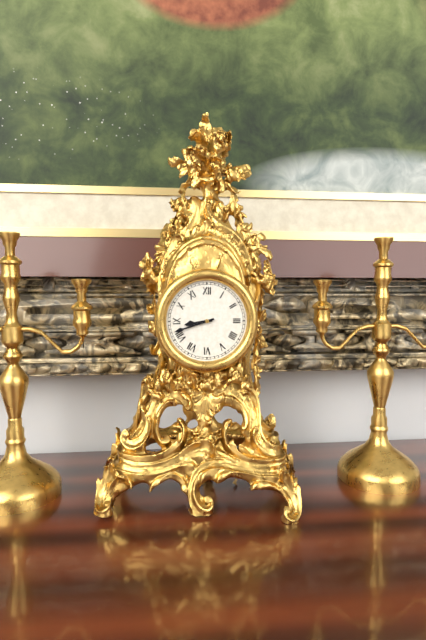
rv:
8h42
